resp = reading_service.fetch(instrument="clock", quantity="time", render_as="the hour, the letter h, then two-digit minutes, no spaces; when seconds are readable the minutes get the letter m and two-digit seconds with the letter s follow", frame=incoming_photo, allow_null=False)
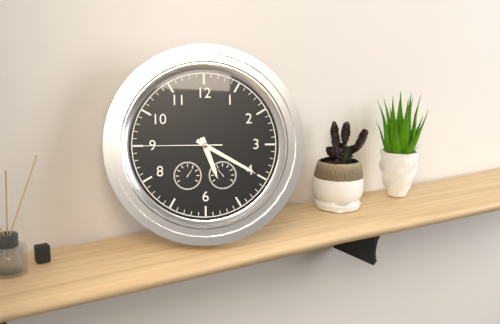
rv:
5h20m45s
